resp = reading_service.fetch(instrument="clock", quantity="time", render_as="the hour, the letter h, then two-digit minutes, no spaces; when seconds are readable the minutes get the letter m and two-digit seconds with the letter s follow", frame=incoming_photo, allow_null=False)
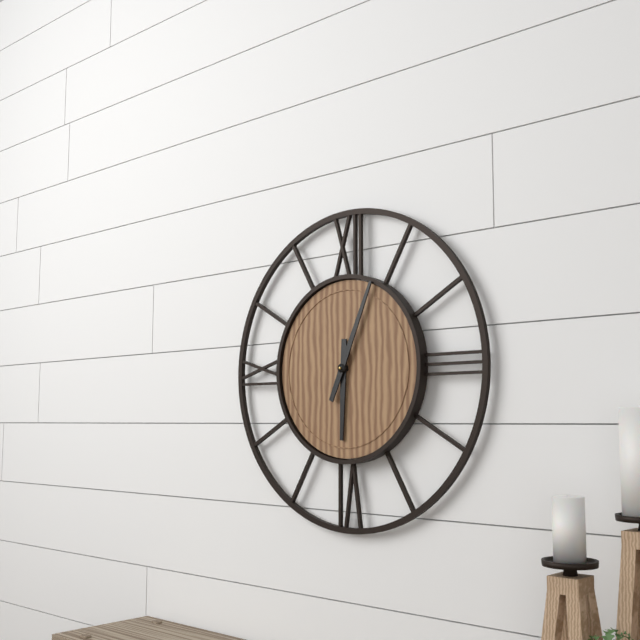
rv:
6h04
